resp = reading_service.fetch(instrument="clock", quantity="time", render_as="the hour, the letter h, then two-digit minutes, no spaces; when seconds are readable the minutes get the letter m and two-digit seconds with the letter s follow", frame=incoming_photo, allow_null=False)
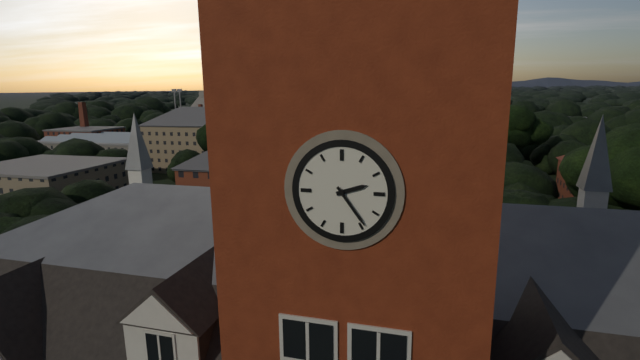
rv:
2h24
